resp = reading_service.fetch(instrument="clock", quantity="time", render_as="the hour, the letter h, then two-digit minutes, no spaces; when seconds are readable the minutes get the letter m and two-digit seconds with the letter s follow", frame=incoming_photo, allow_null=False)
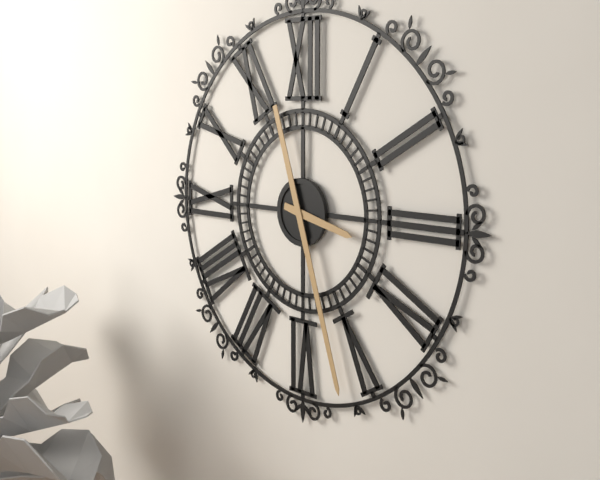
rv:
3h27
